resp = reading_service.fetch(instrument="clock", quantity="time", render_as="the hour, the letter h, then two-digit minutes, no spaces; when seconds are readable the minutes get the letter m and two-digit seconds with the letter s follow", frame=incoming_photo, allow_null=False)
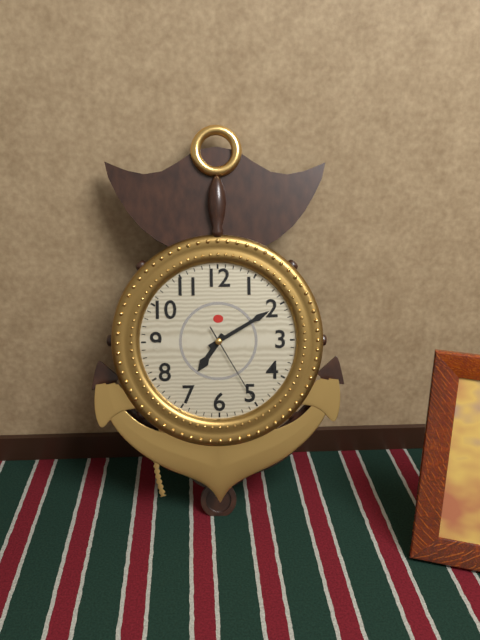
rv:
7h10m25s
